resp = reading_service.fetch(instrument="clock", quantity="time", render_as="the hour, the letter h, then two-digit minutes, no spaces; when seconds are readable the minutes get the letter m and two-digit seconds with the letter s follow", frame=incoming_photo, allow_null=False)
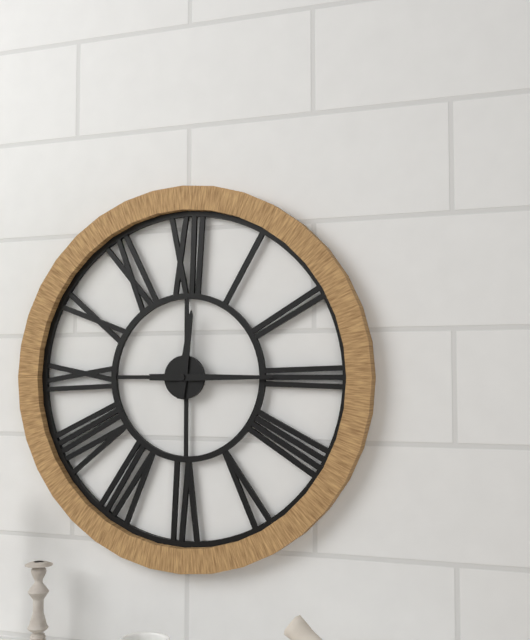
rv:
12h15
